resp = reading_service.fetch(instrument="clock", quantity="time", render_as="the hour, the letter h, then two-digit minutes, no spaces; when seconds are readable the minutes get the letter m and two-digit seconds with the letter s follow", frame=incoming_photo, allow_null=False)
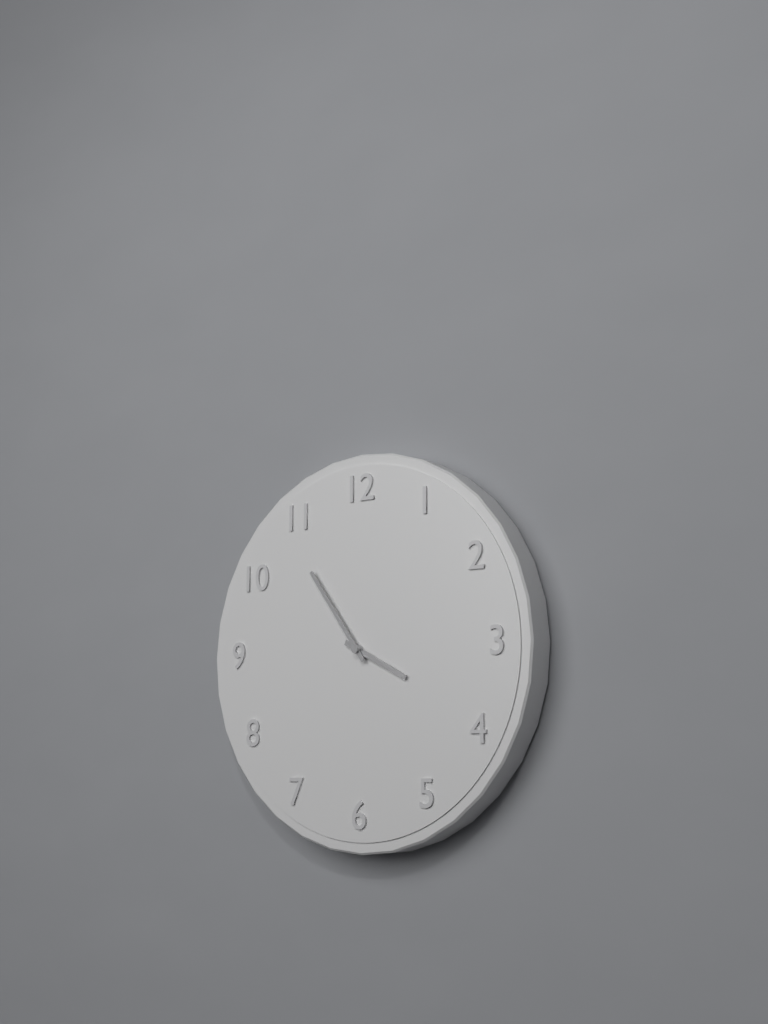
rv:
3h54
